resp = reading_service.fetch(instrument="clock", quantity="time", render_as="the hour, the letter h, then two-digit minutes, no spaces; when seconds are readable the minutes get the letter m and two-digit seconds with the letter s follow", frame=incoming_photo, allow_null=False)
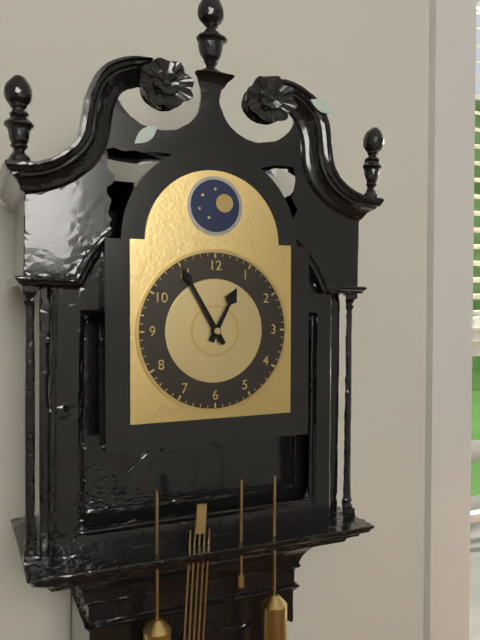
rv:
12h55
